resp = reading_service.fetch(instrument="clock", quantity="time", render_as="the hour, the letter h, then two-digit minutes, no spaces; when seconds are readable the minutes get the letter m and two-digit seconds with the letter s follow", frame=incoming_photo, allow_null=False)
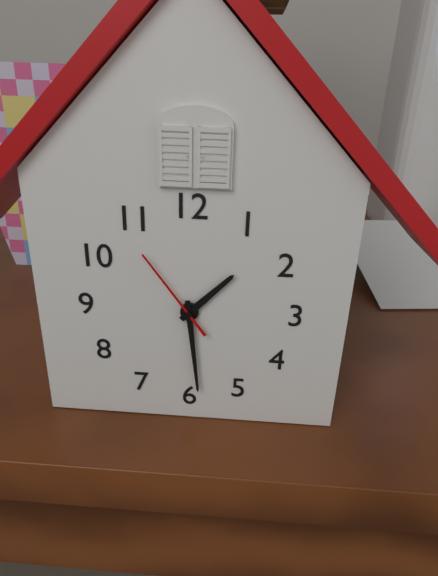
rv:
1h29m54s
